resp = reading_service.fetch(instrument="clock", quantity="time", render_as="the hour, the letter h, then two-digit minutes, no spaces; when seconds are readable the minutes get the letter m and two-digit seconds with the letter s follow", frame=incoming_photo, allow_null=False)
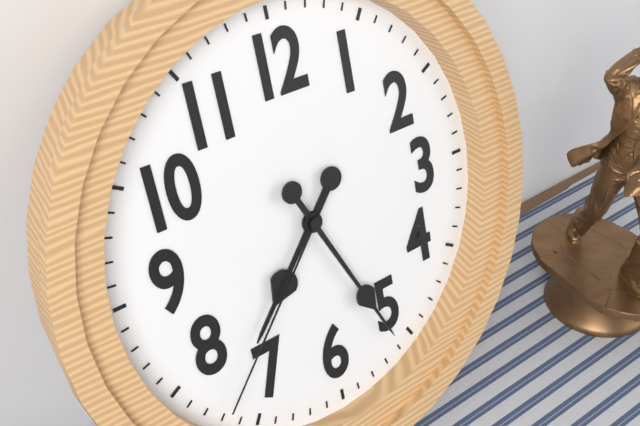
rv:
7h26m37s
